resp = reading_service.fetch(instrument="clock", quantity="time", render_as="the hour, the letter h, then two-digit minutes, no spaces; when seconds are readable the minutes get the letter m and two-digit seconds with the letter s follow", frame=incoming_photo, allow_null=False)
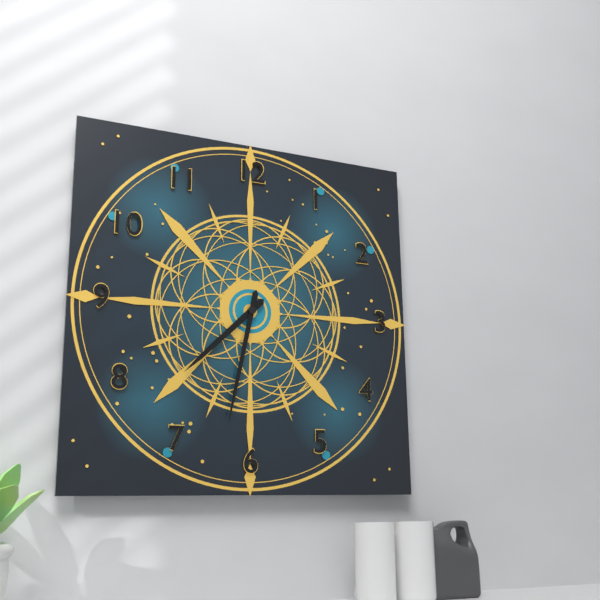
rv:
7h32
